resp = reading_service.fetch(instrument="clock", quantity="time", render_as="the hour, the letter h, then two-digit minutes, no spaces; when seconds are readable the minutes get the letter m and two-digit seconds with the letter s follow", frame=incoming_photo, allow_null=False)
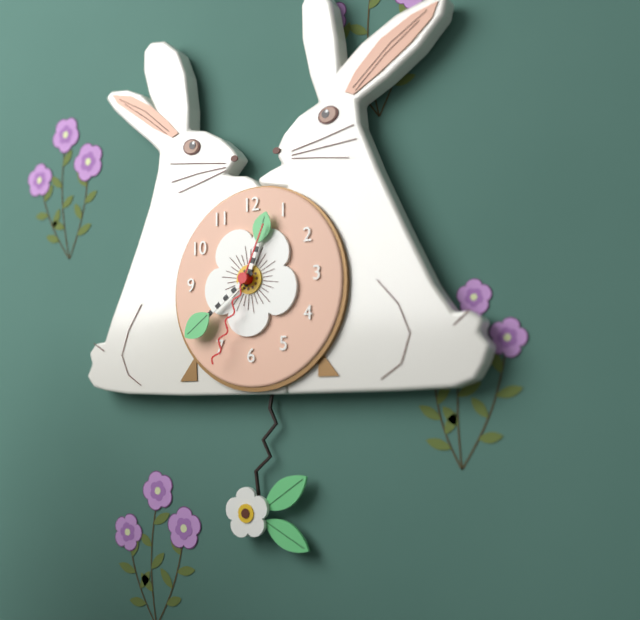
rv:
12h39m34s
